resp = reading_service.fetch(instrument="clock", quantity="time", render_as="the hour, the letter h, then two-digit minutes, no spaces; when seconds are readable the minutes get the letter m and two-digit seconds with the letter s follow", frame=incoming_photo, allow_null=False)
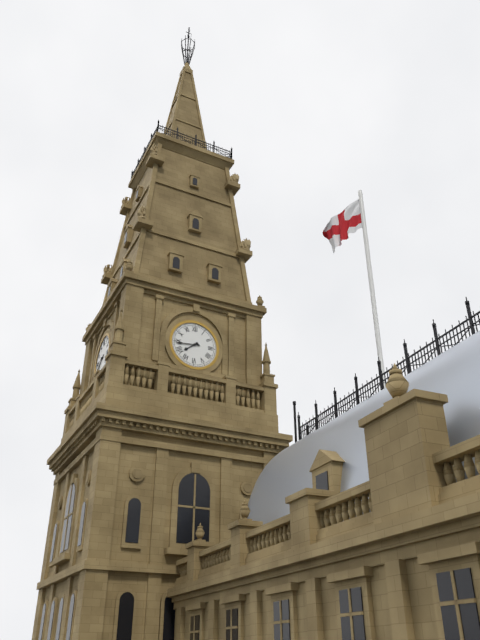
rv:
7h44
